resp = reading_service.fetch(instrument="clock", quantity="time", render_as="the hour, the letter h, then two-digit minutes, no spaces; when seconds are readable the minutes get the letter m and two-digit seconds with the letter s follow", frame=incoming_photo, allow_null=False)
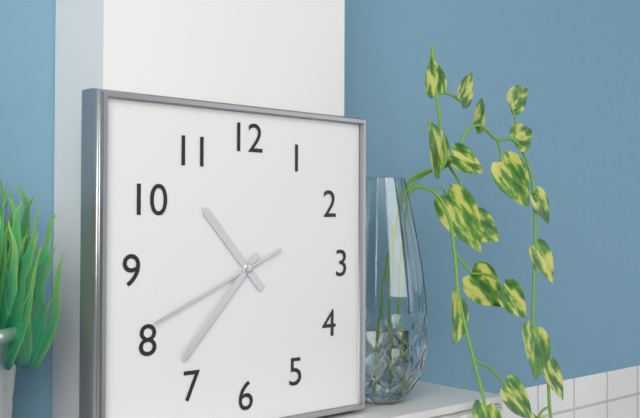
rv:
10h37m41s
